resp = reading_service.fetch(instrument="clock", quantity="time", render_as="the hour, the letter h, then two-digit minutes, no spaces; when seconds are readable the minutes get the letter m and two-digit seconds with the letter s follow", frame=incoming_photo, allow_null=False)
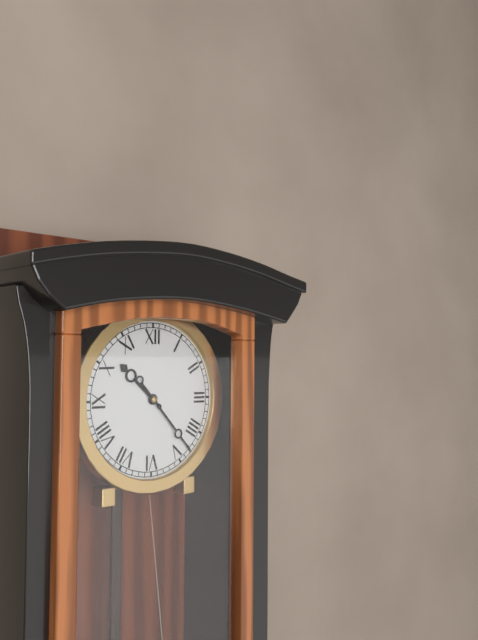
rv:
10h23
